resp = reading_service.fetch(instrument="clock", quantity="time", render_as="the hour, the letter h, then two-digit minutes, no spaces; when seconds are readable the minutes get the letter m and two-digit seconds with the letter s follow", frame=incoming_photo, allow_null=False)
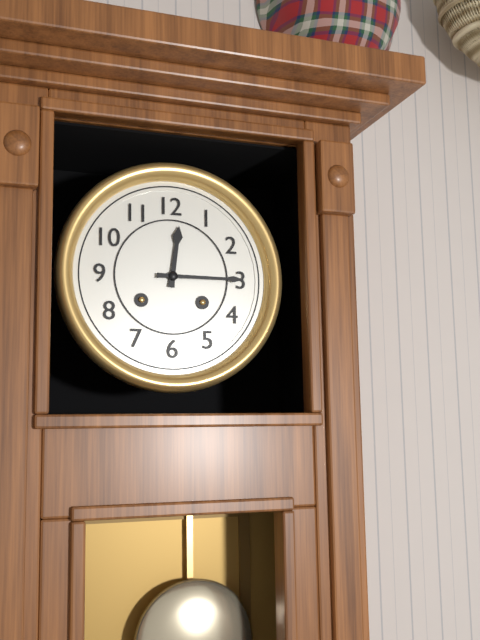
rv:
12h15
